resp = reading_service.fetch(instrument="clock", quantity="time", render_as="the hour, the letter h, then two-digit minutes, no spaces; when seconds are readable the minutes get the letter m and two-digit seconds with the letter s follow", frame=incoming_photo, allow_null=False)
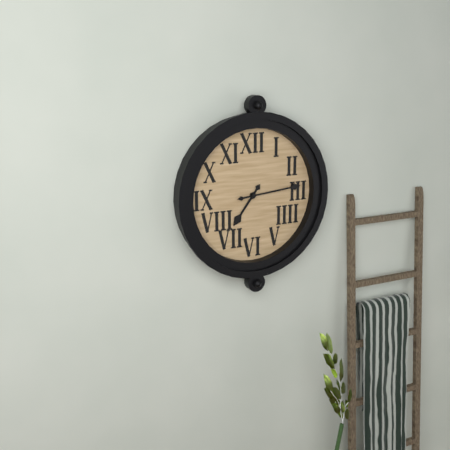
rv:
7h14
